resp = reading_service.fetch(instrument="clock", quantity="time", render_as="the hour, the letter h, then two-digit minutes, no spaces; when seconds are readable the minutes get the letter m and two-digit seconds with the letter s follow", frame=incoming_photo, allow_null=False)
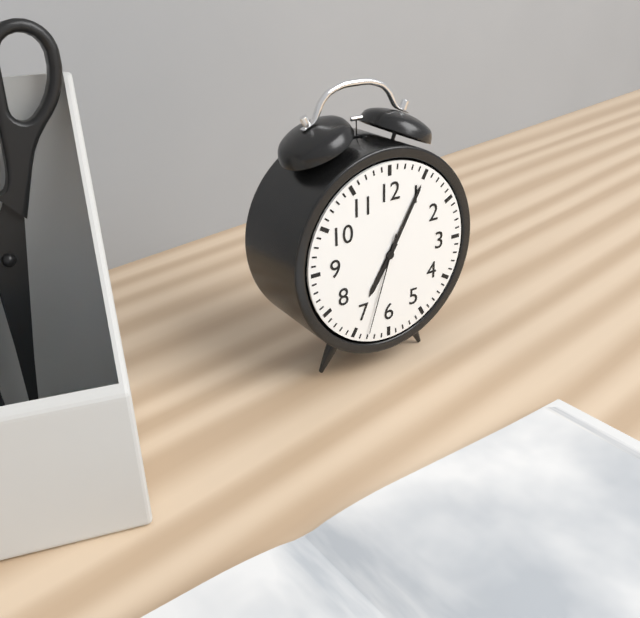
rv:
7h05m33s
